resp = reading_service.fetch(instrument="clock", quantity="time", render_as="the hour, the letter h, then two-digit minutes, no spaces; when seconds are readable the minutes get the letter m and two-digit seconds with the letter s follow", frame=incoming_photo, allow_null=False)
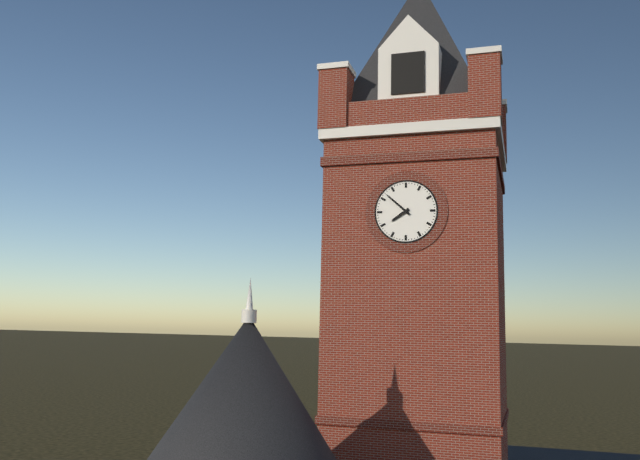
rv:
7h52
